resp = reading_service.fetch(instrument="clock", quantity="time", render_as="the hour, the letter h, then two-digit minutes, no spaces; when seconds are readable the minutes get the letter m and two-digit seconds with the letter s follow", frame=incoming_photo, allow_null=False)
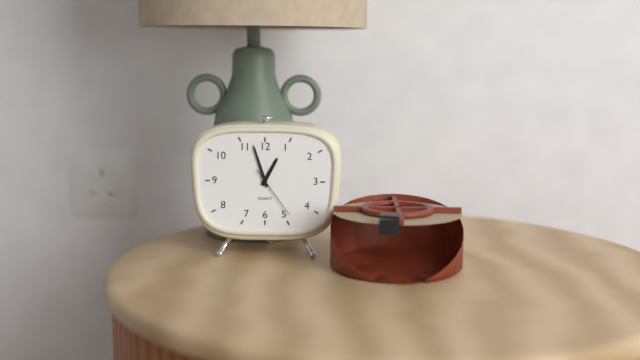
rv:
12h57m24s
